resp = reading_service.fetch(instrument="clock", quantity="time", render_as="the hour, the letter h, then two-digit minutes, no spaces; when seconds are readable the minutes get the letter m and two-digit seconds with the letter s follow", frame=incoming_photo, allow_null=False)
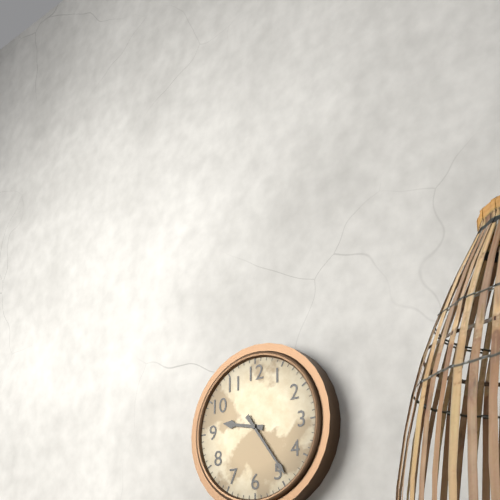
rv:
9h24
